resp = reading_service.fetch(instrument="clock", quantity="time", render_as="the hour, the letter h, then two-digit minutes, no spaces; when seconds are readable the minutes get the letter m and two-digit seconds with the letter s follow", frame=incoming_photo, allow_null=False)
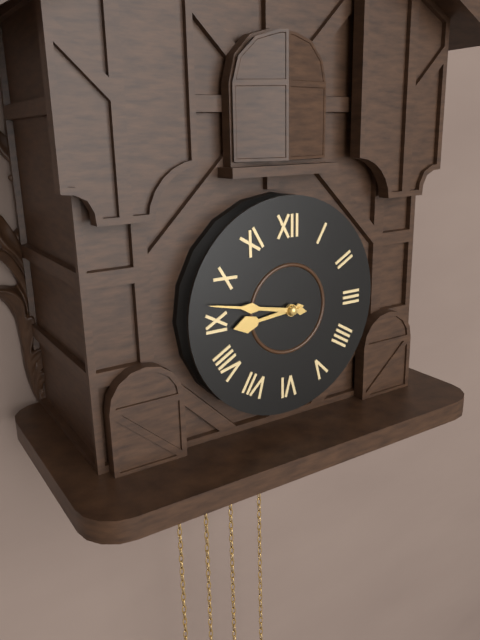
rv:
8h47
